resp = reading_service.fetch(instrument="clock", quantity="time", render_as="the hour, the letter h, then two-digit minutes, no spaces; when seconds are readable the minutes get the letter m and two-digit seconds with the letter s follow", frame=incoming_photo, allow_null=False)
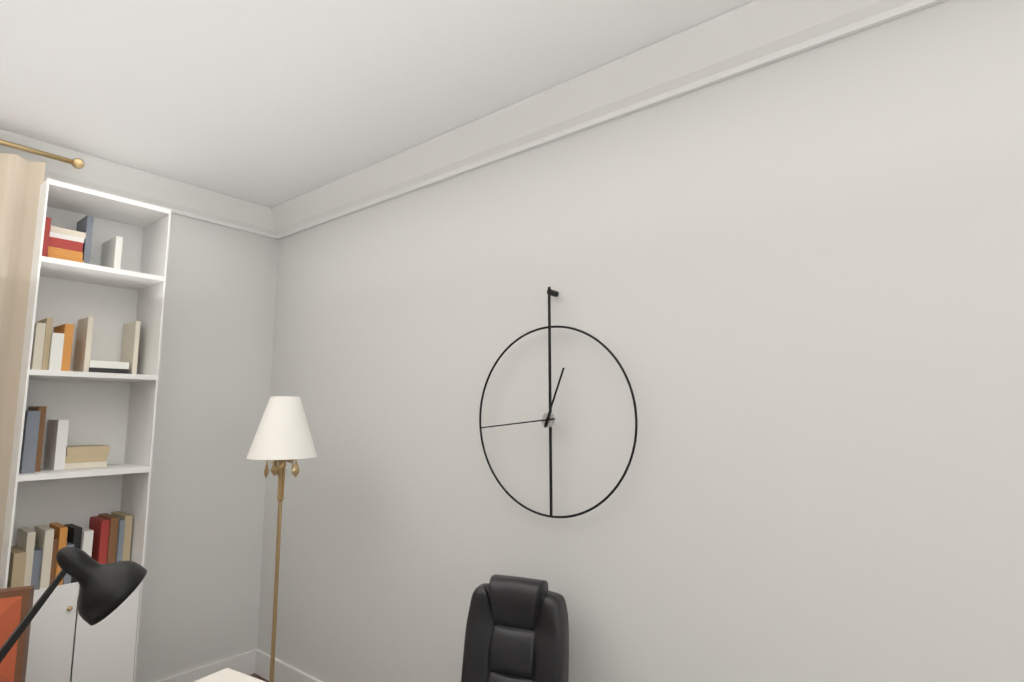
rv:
12h44
